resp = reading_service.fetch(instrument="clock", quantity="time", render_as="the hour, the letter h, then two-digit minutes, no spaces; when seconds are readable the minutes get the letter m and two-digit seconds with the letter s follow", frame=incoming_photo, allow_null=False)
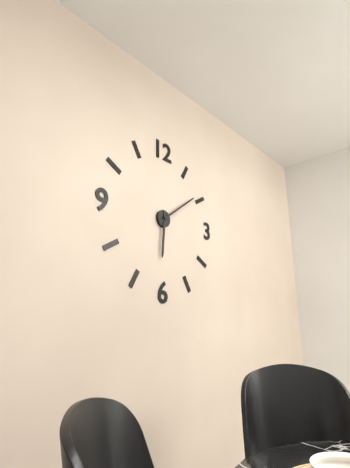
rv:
6h09
